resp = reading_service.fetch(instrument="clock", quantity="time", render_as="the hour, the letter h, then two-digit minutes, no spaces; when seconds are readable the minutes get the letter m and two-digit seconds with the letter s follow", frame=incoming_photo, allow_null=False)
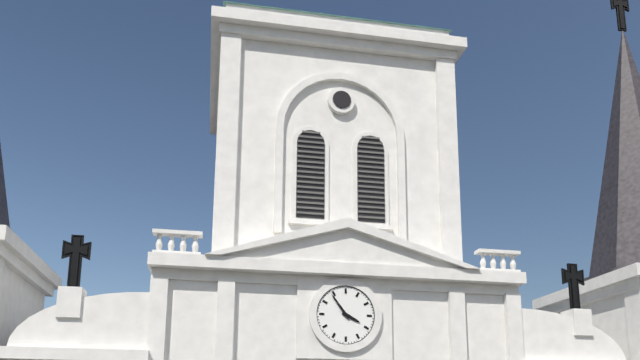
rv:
3h54
